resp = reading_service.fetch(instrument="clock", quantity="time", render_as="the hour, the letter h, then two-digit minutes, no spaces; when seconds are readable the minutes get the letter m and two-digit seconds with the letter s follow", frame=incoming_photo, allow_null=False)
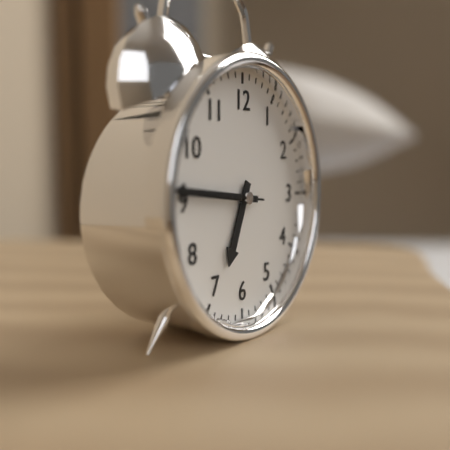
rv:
6h46m46s
